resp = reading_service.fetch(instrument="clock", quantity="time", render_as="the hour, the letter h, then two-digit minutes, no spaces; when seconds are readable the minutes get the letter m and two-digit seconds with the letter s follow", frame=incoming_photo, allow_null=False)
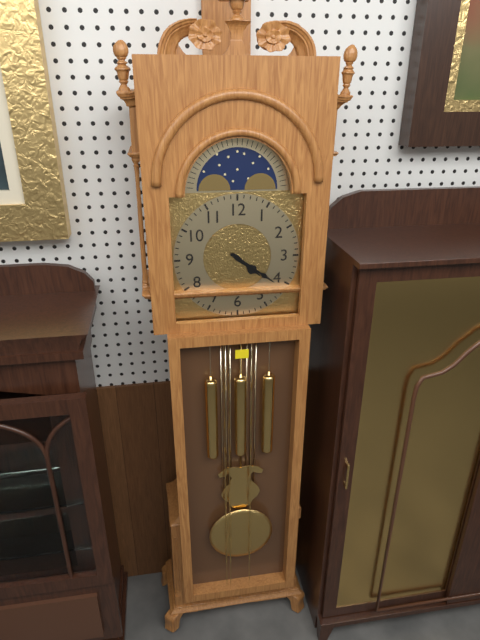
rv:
4h21
